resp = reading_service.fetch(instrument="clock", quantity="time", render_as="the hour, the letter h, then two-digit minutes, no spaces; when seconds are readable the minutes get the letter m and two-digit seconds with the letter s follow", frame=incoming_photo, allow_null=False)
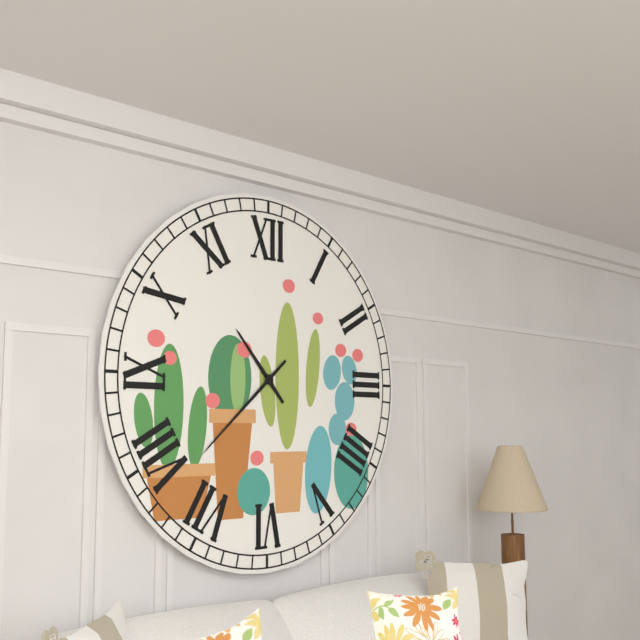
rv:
10h38
